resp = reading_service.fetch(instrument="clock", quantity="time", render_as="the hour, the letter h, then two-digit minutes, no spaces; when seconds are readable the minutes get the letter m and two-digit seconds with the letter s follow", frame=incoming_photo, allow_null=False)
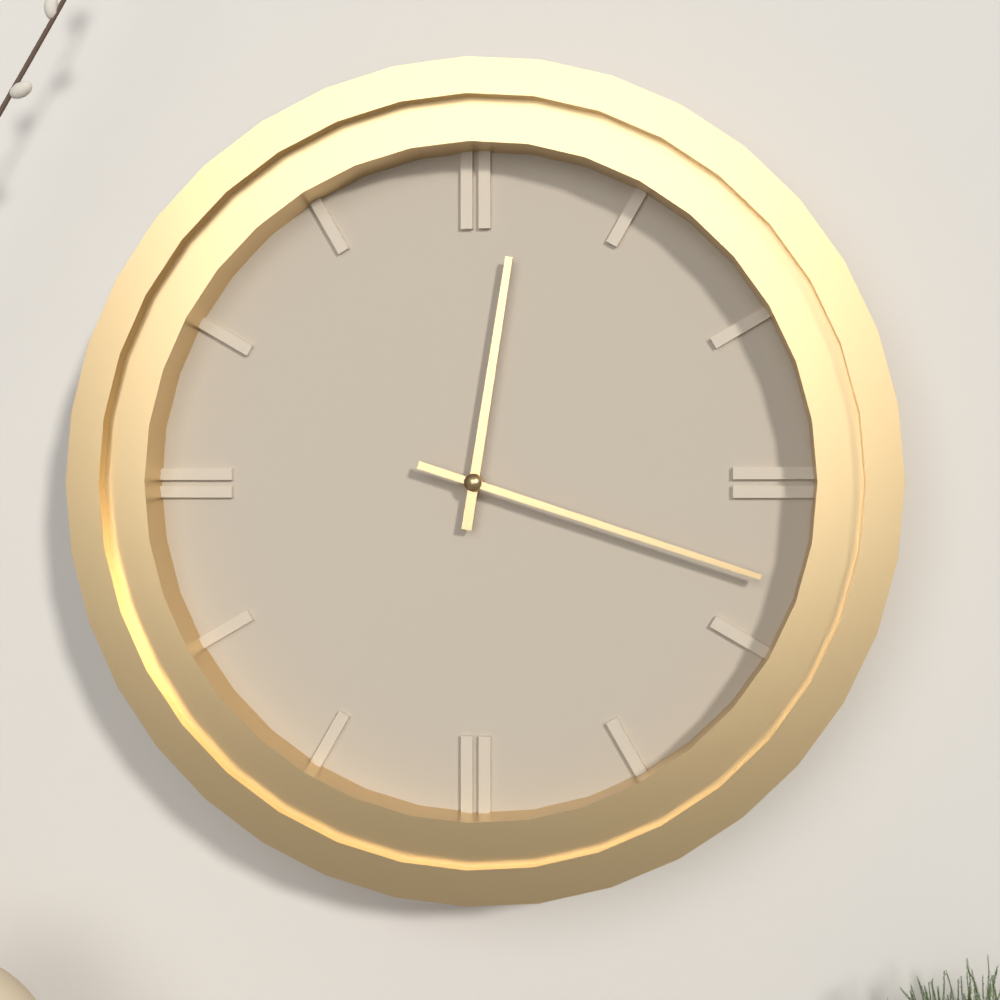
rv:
12h18
